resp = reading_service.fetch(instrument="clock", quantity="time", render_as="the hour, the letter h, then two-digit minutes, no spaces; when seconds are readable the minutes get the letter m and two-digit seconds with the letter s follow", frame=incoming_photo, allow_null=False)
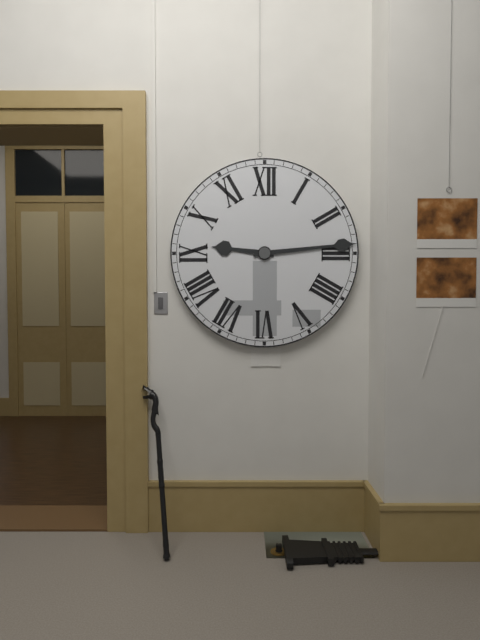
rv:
9h14
